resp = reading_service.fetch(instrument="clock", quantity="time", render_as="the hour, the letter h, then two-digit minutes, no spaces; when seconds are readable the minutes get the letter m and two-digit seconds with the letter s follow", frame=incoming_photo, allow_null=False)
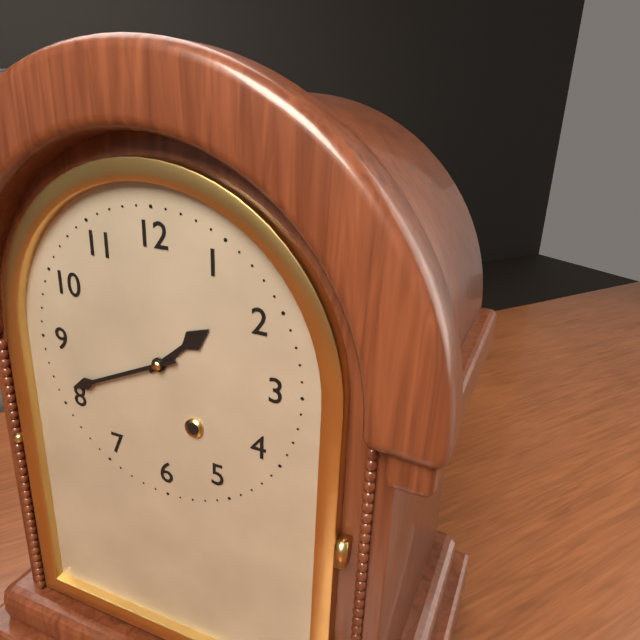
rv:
1h41
